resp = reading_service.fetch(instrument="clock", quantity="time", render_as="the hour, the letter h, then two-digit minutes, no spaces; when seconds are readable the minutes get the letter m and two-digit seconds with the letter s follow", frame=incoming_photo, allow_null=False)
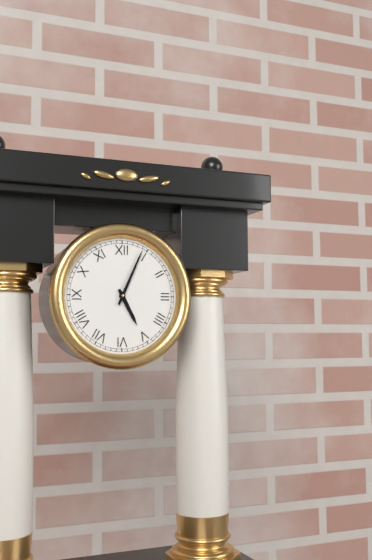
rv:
5h04
